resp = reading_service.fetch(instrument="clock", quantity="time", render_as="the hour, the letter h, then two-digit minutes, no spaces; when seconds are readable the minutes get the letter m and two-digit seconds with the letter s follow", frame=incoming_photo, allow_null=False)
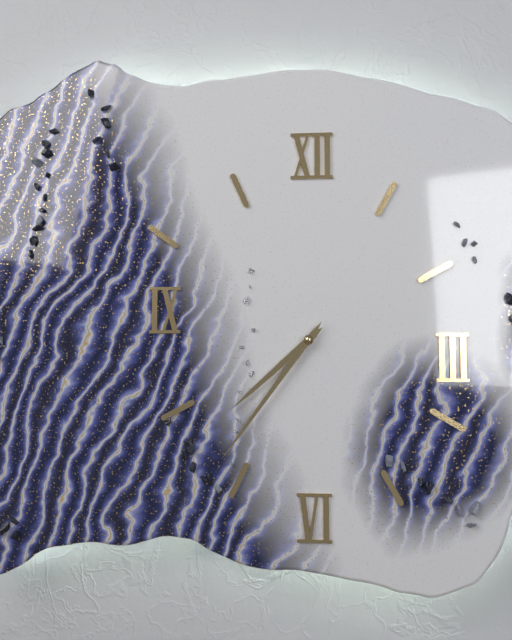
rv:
7h36
